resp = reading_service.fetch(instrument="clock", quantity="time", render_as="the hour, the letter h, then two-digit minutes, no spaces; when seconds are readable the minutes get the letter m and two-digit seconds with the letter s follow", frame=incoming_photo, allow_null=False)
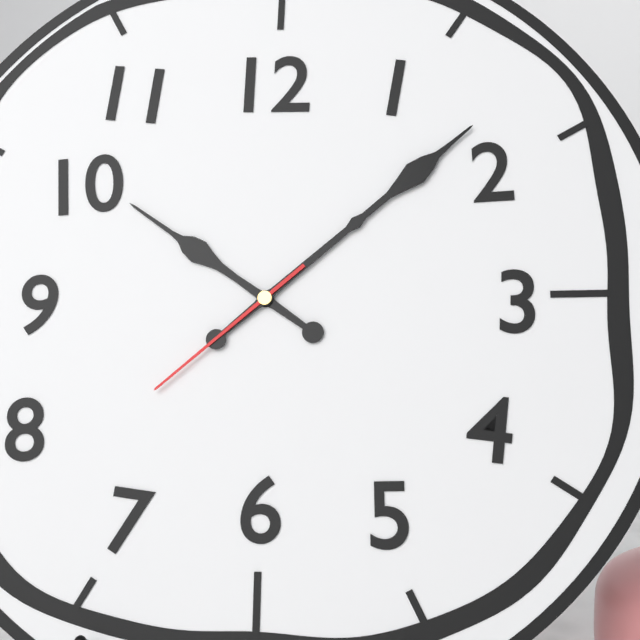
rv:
10h08m38s
